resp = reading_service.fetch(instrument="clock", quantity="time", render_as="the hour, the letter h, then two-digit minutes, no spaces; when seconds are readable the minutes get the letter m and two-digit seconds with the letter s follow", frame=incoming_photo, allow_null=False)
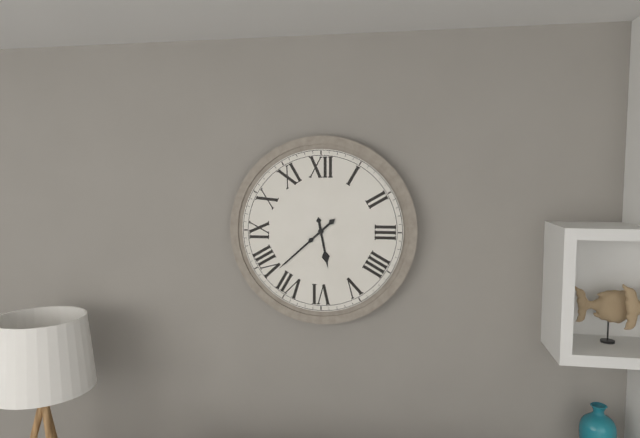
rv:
5h38
